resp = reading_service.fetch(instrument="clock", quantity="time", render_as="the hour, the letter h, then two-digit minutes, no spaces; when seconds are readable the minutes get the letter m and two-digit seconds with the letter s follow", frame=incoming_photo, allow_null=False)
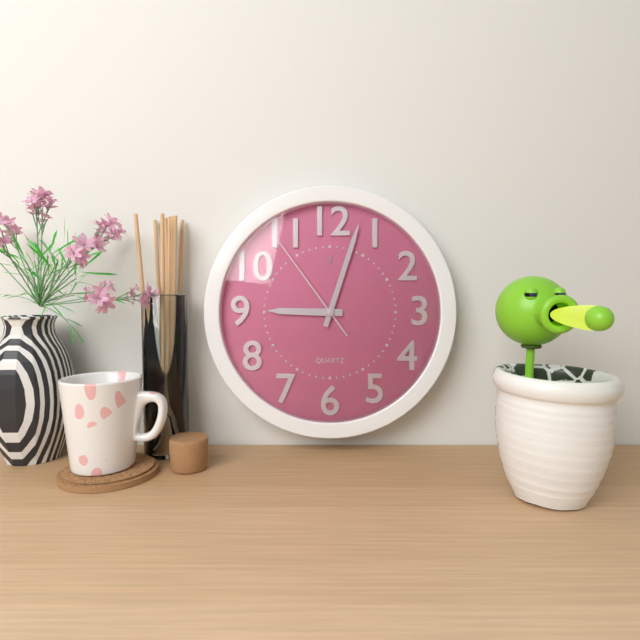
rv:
9h03m54s
